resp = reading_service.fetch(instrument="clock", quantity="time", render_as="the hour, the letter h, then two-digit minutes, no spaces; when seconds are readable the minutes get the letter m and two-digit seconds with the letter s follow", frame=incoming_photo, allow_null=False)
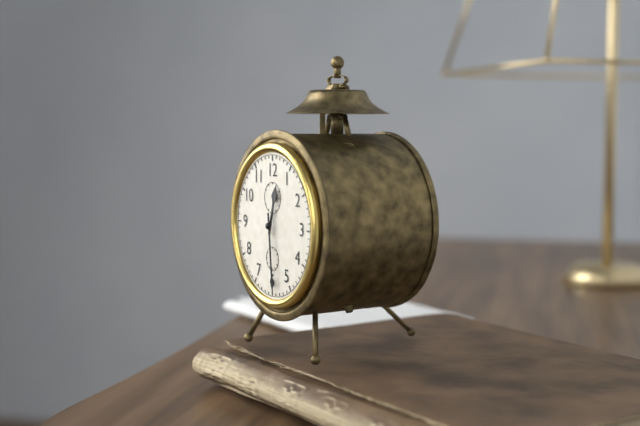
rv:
12h29
